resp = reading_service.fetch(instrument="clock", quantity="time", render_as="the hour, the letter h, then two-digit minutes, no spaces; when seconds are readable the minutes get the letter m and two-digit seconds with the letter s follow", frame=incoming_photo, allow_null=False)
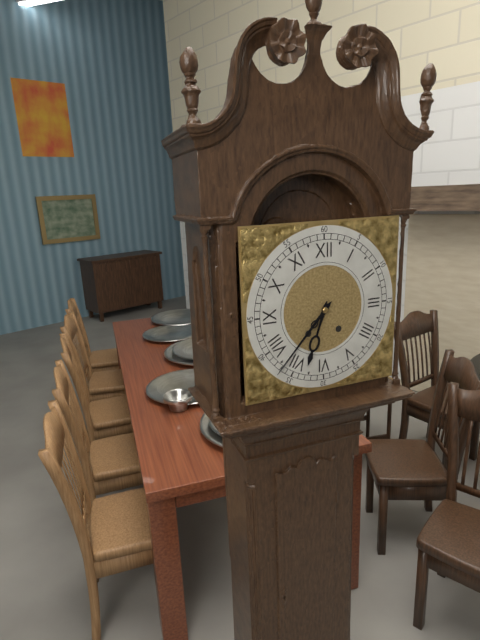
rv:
6h37
